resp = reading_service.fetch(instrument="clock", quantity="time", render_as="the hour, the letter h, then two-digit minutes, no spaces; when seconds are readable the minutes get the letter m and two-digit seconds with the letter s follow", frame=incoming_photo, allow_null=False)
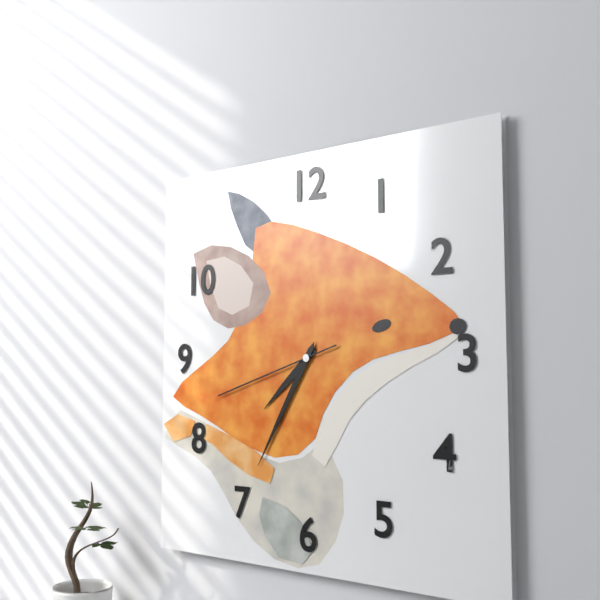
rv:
7h35m42s
